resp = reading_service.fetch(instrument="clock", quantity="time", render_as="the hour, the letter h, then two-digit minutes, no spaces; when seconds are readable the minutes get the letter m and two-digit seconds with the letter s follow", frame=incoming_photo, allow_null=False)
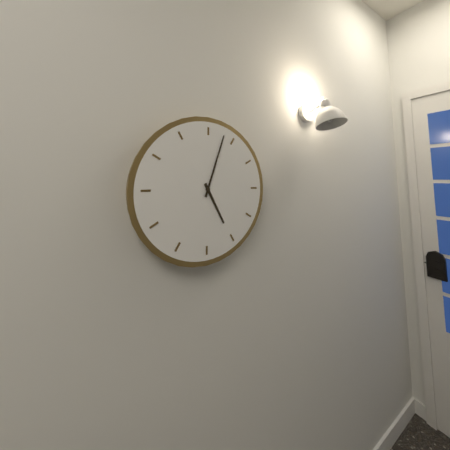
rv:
5h03
